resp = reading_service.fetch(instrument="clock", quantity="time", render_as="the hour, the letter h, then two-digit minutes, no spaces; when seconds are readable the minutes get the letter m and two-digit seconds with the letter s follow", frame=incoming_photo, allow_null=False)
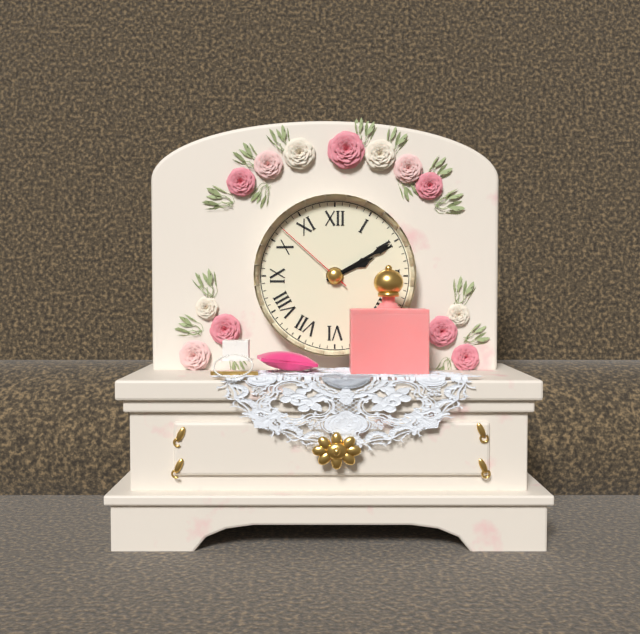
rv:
2h10m52s
